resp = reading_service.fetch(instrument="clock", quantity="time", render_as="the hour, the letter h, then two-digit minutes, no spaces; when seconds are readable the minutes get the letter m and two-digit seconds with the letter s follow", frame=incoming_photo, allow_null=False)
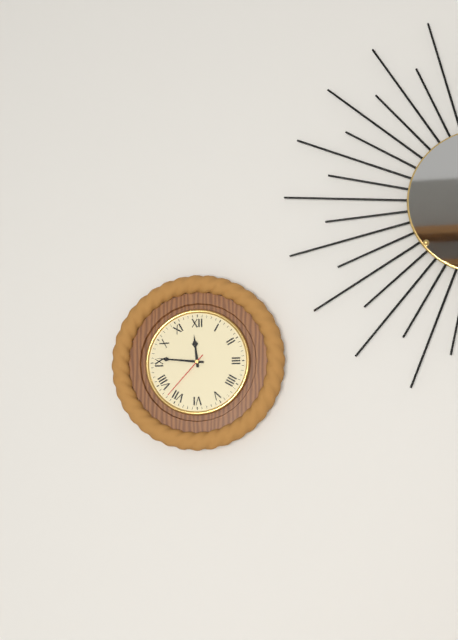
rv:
11h46m37s
